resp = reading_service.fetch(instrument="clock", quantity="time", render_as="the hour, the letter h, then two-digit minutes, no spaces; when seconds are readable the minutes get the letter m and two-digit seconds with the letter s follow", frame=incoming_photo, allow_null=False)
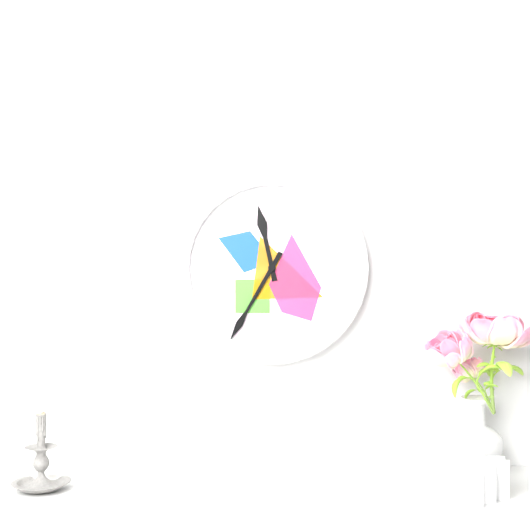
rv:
11h35
